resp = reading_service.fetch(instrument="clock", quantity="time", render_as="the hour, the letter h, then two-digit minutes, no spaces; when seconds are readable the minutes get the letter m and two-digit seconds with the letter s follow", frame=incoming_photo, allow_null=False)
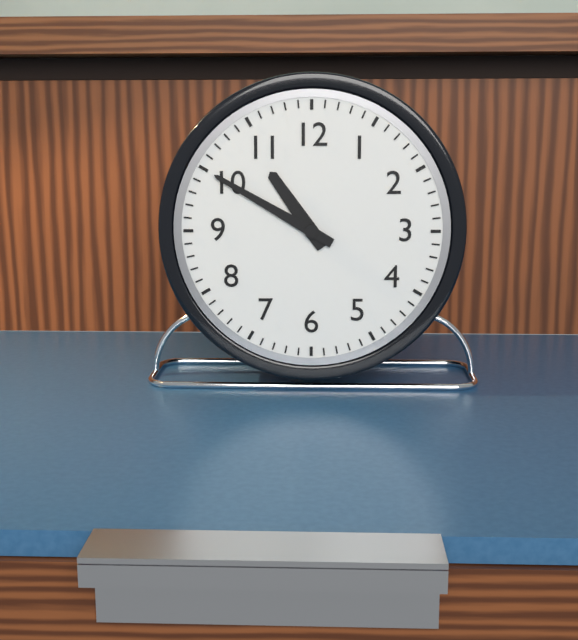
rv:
10h50
